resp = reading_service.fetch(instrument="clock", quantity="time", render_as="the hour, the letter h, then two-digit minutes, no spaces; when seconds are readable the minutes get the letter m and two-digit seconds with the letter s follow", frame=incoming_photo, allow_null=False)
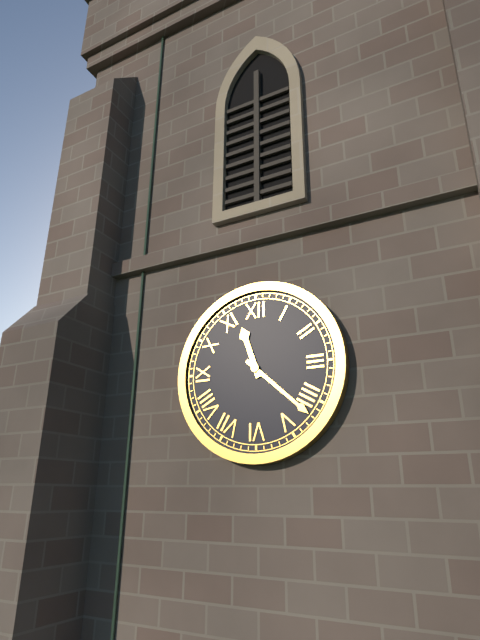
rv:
11h22
